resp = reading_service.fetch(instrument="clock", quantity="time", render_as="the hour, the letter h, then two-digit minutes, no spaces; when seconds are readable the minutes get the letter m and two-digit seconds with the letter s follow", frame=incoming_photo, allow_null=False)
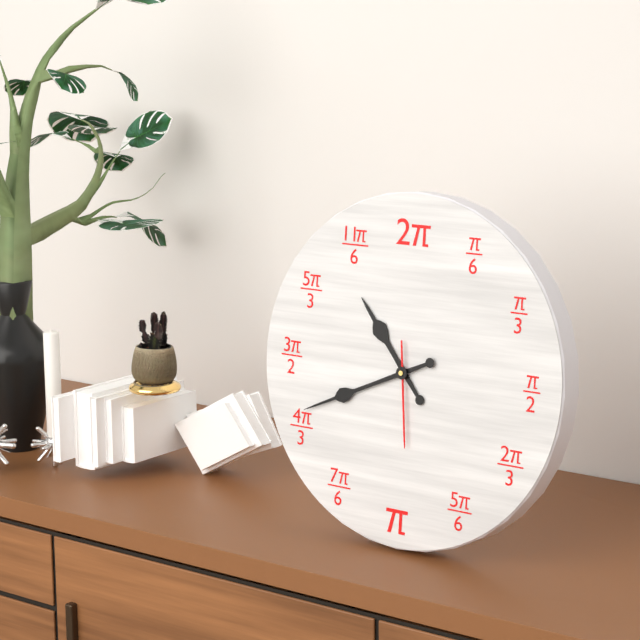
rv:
10h41m29s
